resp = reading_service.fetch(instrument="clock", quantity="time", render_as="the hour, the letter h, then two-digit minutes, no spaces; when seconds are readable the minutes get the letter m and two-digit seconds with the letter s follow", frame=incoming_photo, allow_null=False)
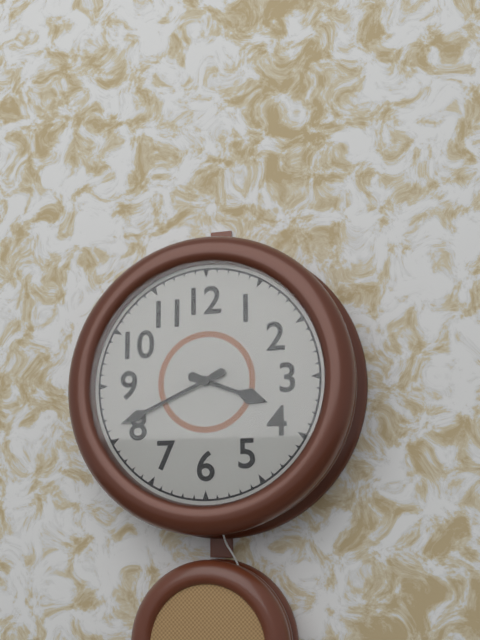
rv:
3h41
